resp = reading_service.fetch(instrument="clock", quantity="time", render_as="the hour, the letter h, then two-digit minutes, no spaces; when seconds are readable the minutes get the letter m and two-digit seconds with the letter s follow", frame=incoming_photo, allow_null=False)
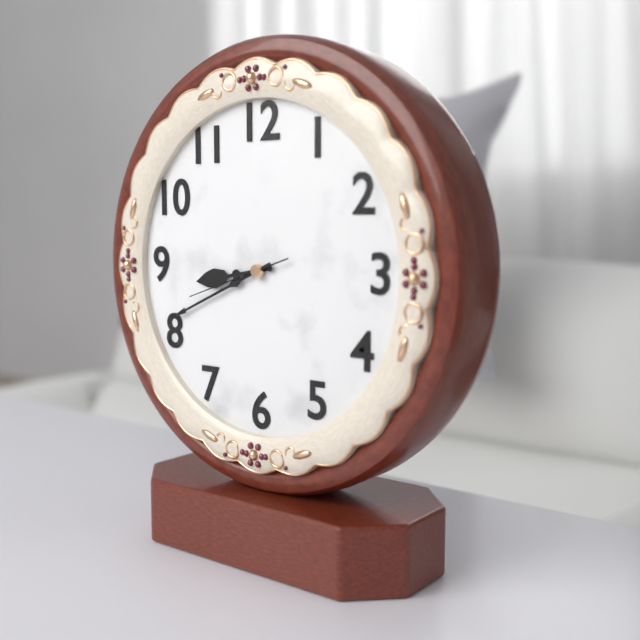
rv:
8h41m42s
